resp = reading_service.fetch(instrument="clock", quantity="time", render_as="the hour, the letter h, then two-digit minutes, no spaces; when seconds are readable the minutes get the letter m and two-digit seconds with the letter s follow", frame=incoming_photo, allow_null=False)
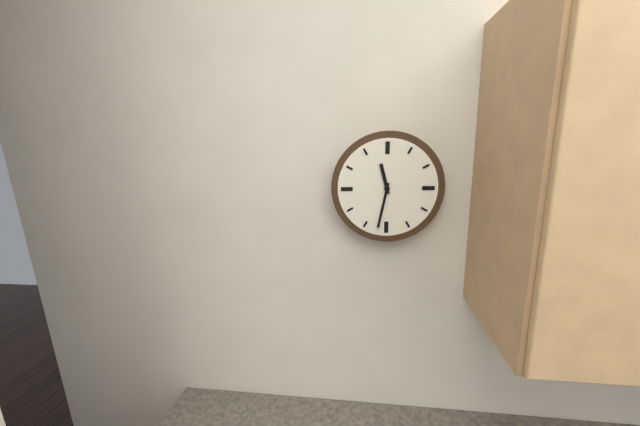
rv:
11h32
